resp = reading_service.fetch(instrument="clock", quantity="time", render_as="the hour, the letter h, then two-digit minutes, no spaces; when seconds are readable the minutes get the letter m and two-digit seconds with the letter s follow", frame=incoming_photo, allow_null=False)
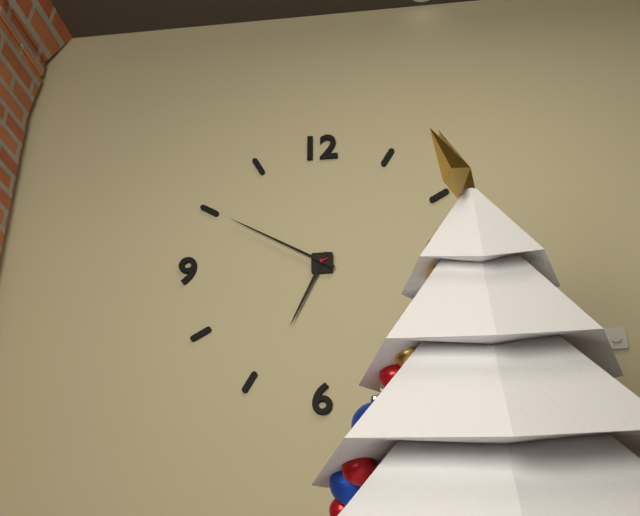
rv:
6h50
